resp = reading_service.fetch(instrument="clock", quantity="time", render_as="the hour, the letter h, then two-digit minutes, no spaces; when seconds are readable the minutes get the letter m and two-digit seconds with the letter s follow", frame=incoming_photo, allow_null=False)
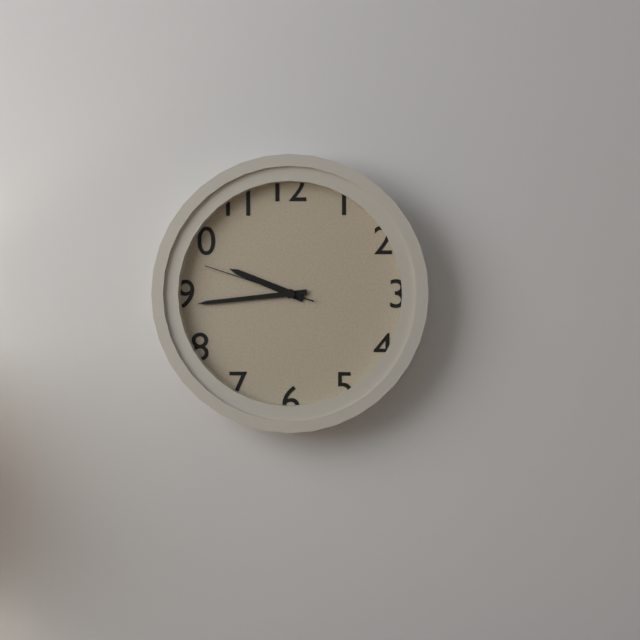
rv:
9h44m48s
